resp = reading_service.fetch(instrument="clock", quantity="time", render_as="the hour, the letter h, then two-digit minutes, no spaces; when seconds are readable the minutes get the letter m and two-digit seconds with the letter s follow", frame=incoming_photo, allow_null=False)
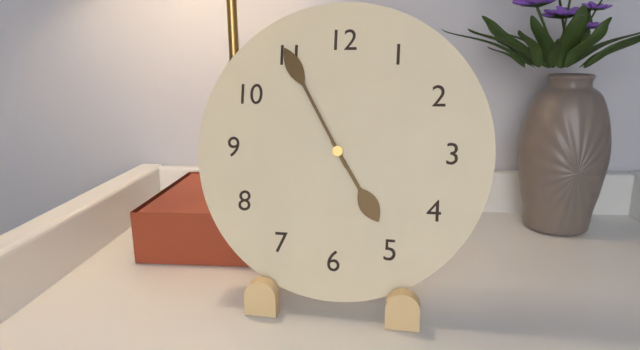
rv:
4h55
